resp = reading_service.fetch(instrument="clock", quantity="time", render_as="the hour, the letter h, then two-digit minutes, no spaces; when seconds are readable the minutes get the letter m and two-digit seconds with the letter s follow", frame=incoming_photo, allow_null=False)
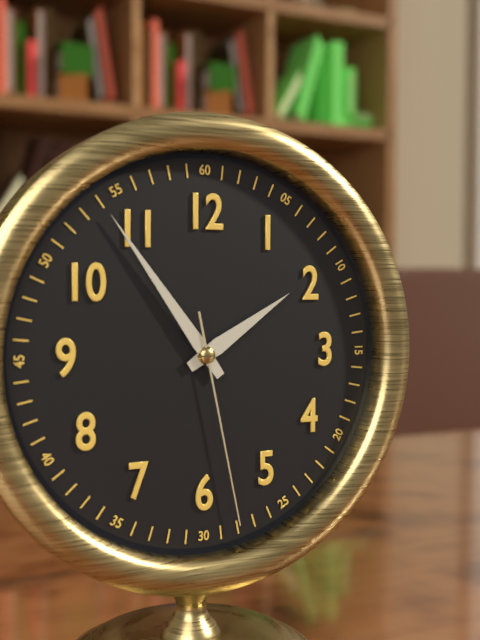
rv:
1h54m28s
